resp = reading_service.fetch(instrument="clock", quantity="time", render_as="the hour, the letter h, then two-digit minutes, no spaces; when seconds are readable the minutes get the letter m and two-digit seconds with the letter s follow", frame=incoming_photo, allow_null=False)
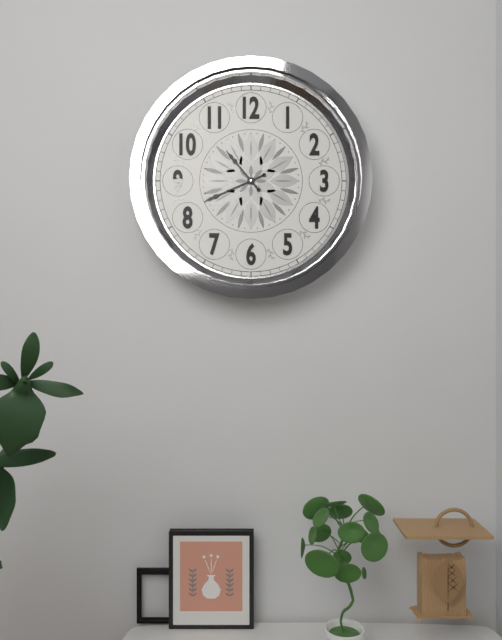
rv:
10h41
